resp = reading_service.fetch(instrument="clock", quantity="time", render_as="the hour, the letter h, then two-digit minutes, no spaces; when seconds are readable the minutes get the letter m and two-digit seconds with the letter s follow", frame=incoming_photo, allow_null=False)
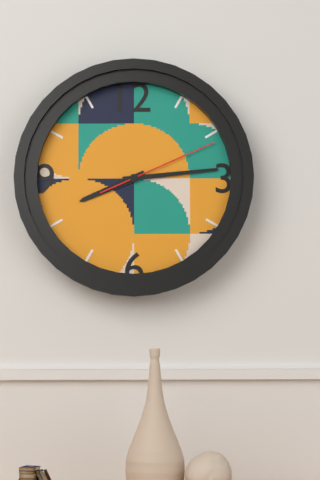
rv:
8h14m11s
